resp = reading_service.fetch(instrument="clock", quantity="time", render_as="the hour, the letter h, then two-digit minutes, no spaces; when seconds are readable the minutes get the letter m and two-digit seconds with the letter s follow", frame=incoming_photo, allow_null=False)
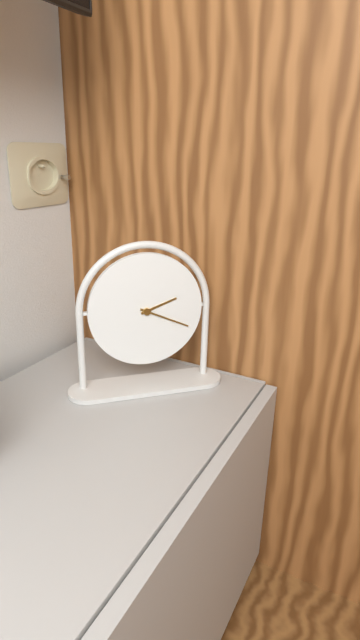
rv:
2h19
